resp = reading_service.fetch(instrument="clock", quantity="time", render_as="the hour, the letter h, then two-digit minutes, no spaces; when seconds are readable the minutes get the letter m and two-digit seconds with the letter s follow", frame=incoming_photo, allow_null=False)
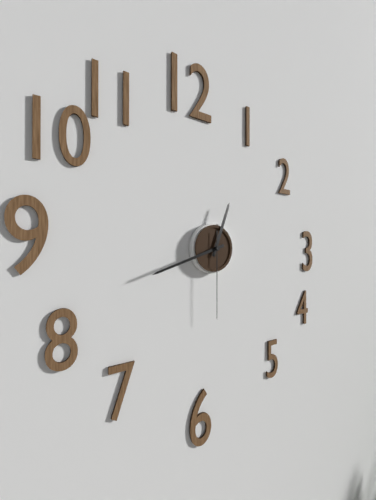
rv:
12h42m30s
